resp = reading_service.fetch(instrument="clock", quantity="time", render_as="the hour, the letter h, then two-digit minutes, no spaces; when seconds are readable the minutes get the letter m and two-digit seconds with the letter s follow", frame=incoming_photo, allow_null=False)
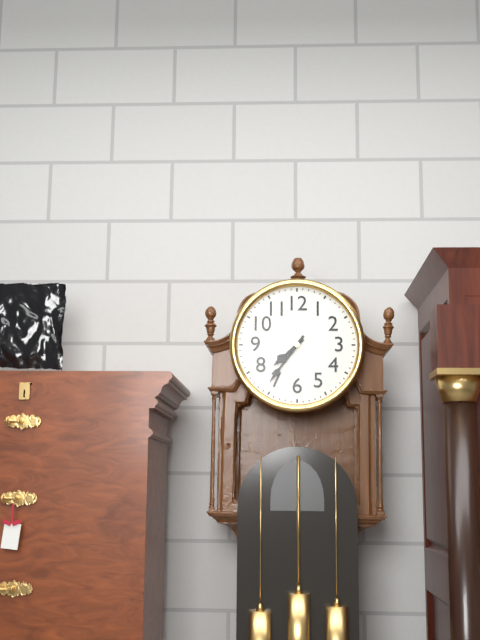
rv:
7h36
